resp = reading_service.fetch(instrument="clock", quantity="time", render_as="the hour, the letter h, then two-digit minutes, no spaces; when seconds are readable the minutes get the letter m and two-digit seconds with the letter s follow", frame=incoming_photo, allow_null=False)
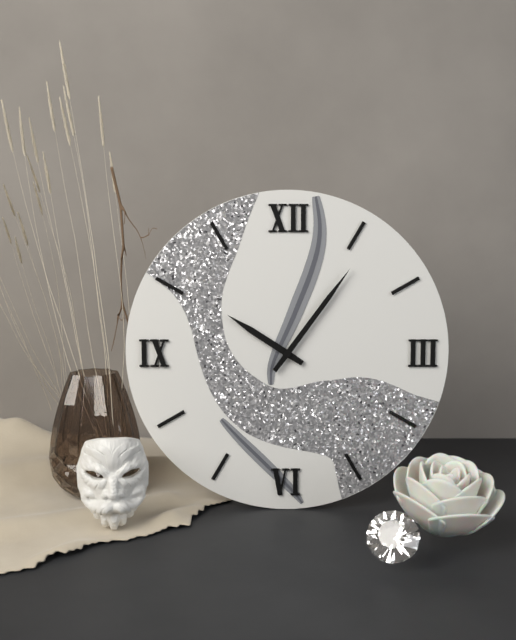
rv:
10h06
